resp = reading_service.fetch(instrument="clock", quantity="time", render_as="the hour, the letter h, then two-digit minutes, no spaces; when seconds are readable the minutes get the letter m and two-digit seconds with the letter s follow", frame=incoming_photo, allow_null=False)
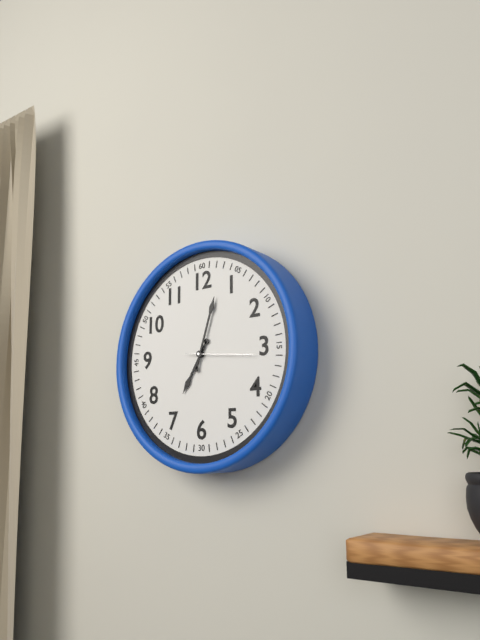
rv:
7h03m16s
